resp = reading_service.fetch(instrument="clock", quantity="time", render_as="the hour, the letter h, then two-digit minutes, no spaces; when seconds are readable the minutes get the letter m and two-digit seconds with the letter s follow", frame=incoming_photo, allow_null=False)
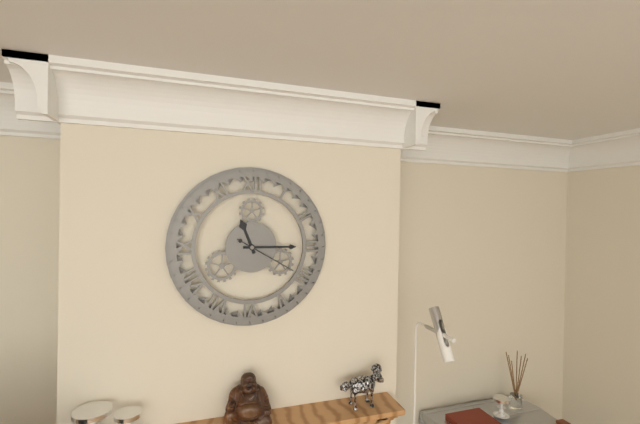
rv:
11h15m20s
